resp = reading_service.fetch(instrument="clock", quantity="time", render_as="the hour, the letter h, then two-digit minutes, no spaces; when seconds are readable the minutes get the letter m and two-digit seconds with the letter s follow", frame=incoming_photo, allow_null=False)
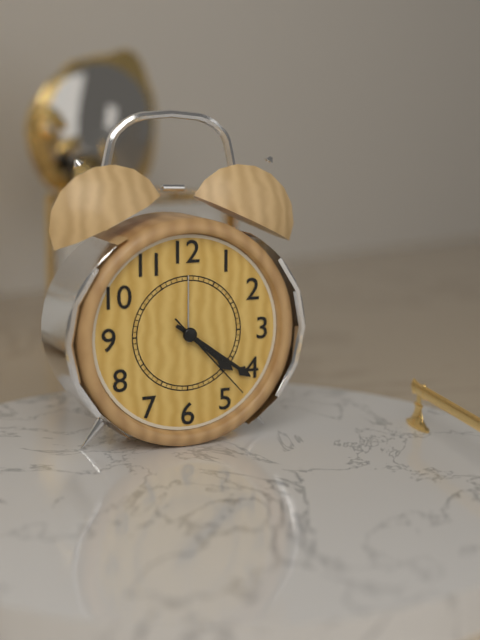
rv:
4h21m23s
